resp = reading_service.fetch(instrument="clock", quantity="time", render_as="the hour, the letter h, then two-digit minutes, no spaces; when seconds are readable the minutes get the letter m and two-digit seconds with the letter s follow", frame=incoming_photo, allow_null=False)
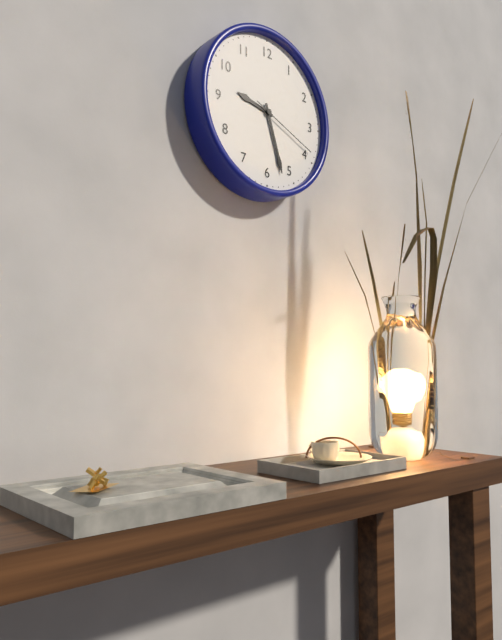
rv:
9h27m19s
